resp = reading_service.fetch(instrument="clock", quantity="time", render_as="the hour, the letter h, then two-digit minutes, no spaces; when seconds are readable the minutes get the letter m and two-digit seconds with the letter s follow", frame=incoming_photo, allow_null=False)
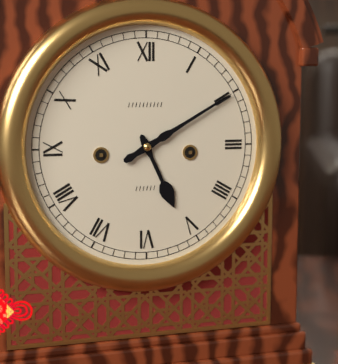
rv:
5h10
